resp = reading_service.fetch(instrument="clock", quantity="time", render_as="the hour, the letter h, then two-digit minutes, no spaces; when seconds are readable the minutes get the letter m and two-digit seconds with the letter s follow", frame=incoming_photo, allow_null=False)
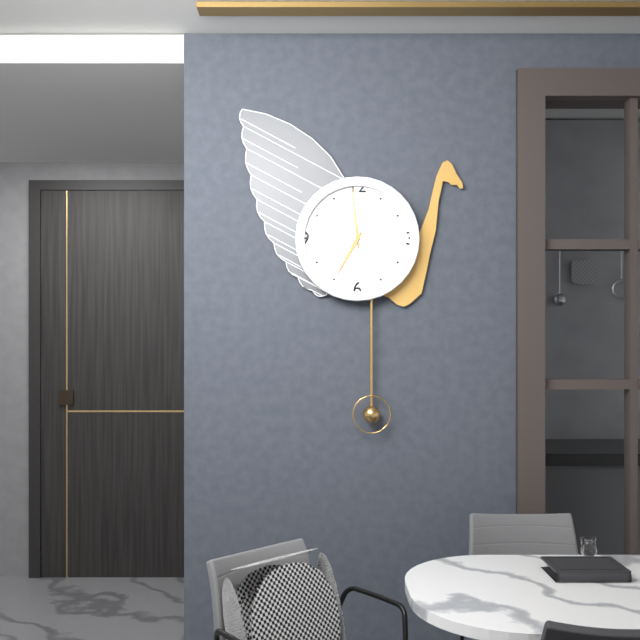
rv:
6h59
